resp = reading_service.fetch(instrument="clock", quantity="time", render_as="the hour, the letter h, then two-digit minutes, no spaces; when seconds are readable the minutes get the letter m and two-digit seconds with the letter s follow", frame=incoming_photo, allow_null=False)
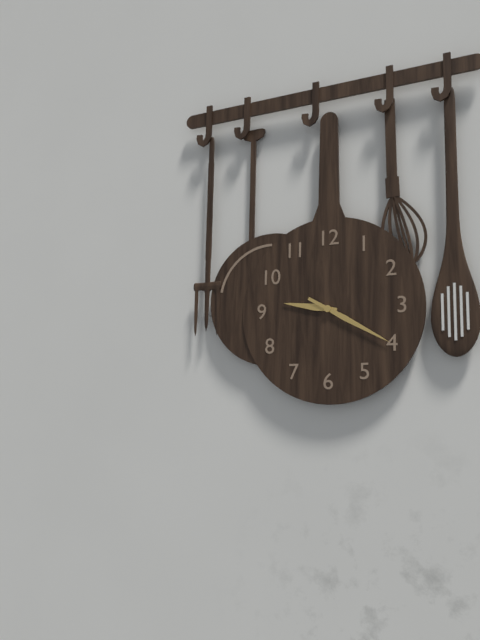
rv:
9h20
